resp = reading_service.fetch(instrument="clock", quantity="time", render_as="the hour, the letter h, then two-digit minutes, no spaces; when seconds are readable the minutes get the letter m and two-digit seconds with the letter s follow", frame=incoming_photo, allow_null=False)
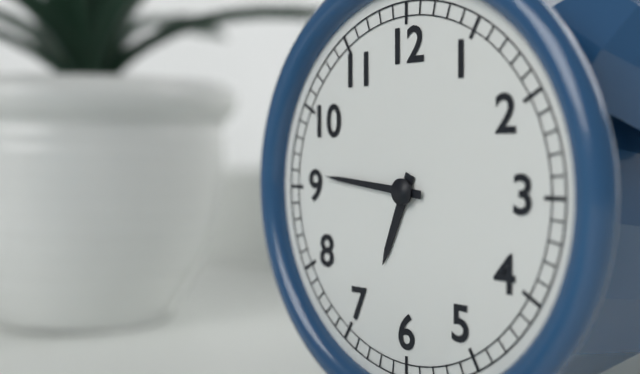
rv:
6h46
